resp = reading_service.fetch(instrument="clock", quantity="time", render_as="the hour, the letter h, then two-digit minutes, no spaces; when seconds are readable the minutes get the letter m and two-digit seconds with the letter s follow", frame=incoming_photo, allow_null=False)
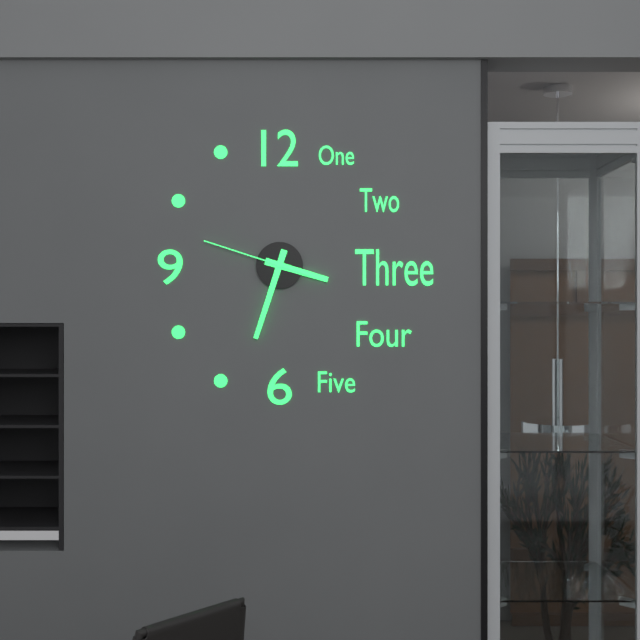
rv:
3h33m48s
